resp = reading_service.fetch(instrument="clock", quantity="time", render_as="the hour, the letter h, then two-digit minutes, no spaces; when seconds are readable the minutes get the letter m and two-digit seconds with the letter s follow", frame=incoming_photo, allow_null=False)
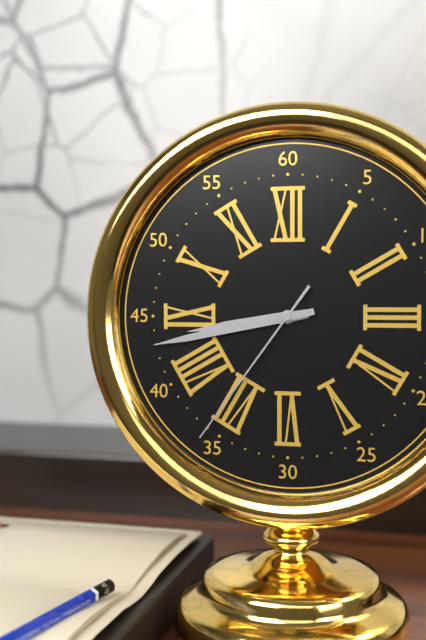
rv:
8h43m36s
